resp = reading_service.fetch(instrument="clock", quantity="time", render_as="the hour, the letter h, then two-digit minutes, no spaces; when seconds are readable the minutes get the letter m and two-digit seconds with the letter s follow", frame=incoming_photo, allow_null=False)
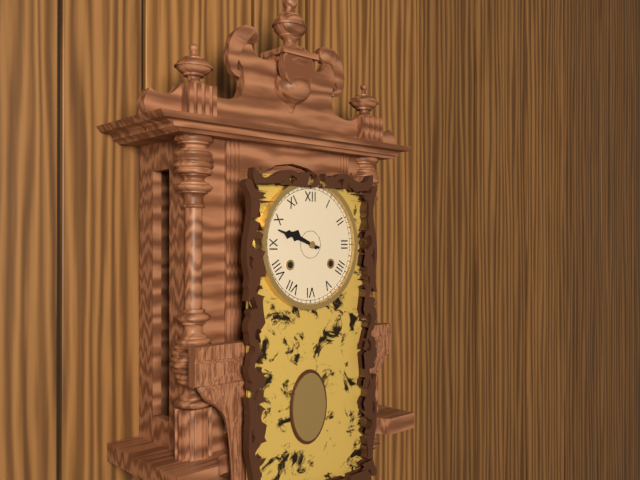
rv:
9h48
